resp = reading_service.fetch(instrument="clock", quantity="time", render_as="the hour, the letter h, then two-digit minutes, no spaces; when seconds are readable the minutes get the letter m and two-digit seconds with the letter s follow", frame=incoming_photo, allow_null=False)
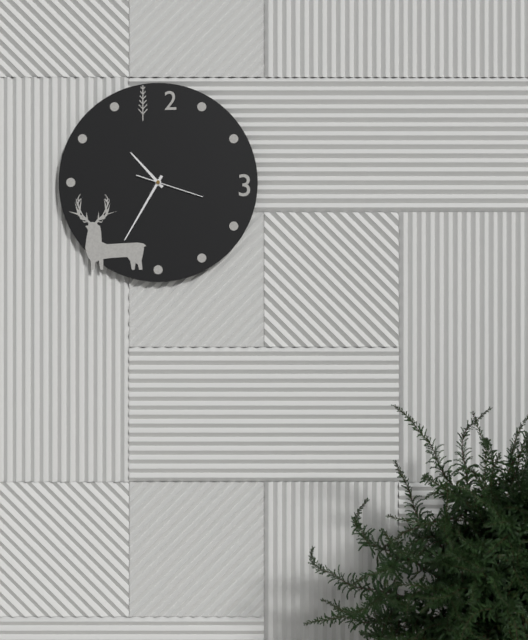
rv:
10h35m18s
